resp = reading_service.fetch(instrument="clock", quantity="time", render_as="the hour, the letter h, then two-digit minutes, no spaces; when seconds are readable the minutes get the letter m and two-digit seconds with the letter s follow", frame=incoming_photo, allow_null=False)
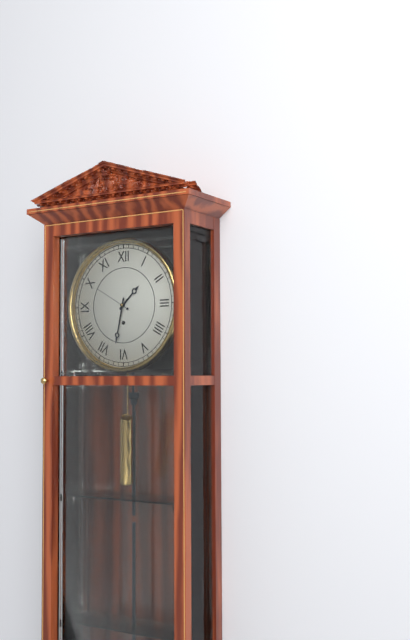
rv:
1h32m50s
